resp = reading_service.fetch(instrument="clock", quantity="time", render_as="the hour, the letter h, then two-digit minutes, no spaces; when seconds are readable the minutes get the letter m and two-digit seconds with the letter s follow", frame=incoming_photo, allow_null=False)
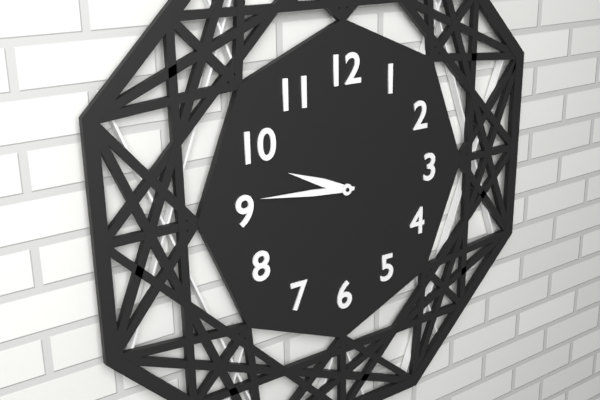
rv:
9h46
